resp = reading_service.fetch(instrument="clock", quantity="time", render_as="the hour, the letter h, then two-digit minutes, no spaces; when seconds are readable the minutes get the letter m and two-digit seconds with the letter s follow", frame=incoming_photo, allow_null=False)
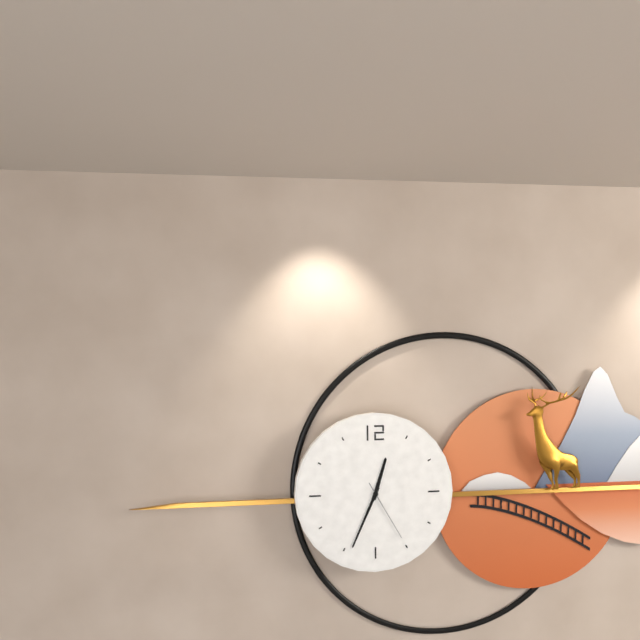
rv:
12h34m25s
